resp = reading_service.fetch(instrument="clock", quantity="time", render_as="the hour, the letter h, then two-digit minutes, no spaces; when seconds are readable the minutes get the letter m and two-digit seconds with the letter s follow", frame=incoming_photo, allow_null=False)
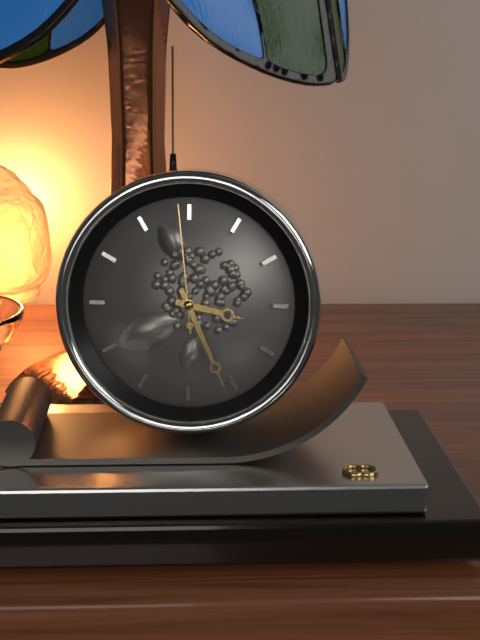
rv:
3h26m59s
